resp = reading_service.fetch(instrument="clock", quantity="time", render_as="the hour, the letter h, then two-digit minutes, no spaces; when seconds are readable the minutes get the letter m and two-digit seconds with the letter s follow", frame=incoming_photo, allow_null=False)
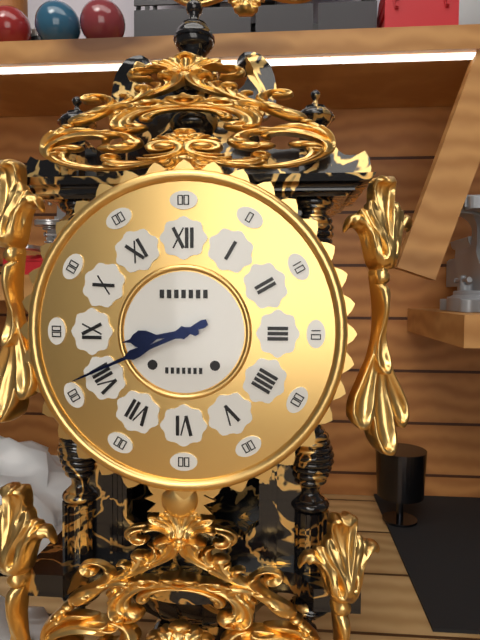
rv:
8h41
